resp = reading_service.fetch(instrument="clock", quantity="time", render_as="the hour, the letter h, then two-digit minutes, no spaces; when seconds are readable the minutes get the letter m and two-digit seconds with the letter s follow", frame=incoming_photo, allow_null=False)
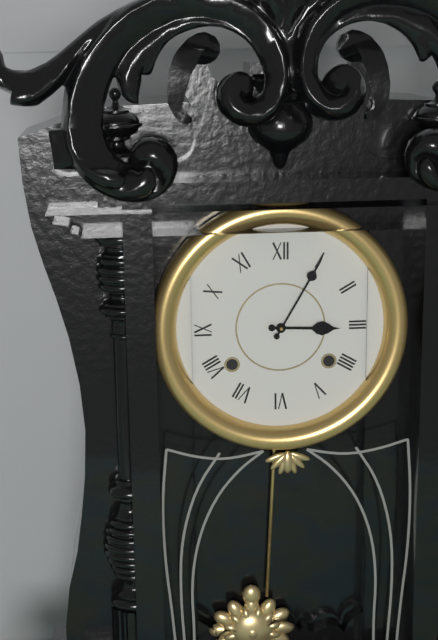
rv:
3h05
